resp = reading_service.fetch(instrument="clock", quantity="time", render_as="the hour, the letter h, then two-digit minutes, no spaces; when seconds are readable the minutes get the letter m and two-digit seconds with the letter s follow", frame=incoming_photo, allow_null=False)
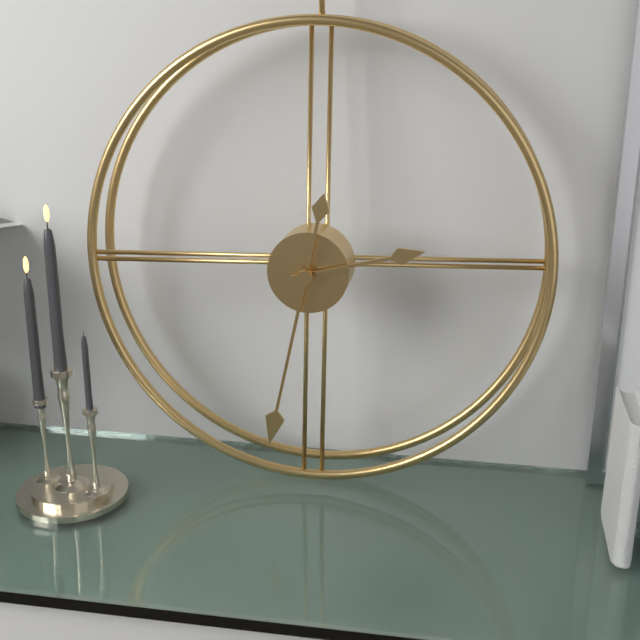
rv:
2h32
